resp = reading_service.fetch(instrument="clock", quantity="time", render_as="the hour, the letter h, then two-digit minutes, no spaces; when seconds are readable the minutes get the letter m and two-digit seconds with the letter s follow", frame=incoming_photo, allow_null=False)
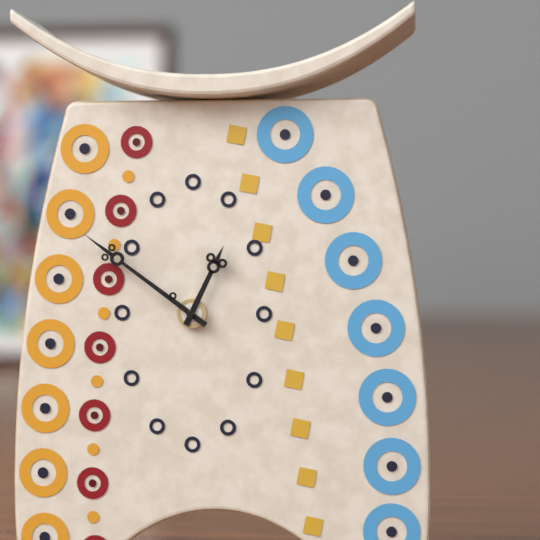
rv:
12h51
